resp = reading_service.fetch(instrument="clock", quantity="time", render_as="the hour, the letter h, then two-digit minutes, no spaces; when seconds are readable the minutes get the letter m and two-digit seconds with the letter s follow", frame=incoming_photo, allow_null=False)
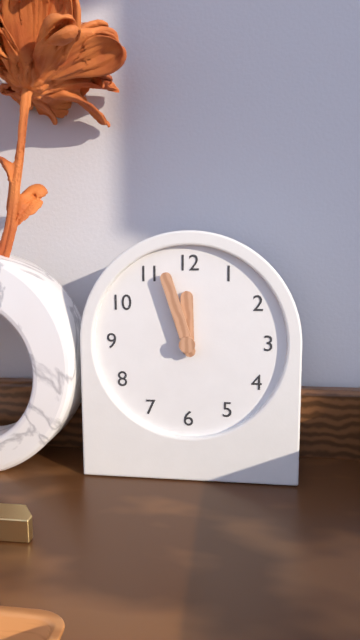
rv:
11h57
